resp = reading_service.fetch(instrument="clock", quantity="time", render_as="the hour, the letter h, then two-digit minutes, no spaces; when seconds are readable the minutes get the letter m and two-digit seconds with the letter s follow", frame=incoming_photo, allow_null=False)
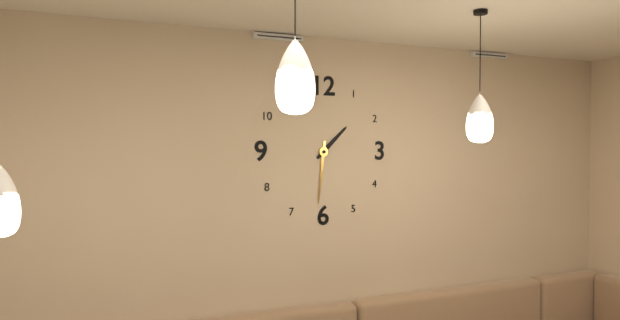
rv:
1h31
